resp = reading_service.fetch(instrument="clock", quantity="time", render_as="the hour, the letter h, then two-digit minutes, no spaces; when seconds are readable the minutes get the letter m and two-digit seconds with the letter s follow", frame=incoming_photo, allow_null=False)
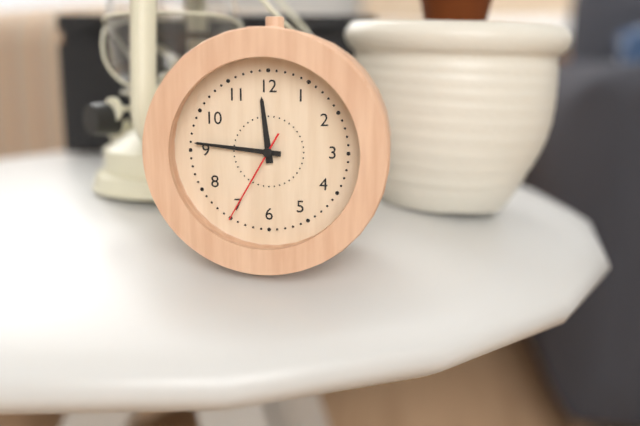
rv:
11h46m35s
